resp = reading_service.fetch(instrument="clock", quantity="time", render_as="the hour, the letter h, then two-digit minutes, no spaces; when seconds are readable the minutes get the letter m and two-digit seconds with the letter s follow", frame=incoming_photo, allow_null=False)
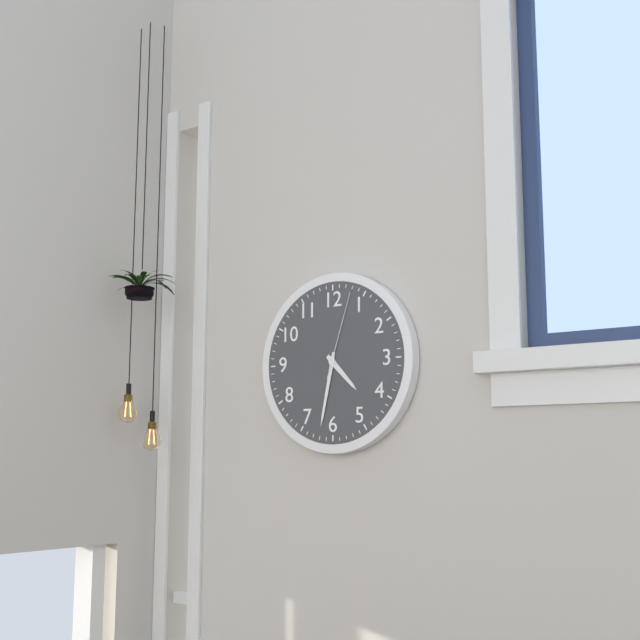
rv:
4h32m03s
